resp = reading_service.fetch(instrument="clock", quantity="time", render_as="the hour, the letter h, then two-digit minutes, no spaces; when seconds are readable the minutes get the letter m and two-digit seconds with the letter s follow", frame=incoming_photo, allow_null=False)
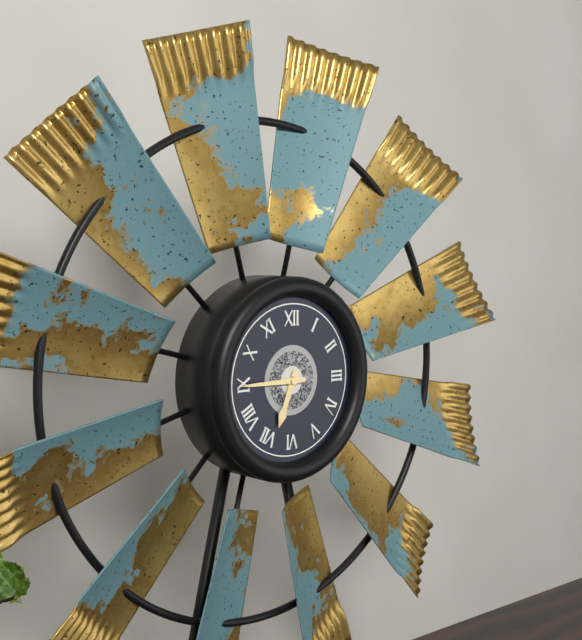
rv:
6h45
